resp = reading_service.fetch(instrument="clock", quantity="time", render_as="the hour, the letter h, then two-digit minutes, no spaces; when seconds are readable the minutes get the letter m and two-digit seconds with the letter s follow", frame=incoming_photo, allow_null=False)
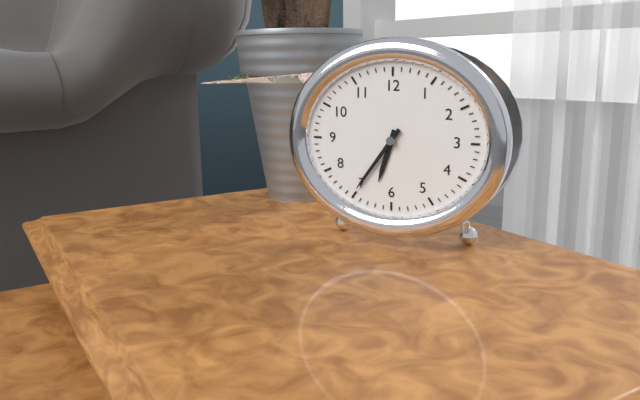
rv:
6h36
